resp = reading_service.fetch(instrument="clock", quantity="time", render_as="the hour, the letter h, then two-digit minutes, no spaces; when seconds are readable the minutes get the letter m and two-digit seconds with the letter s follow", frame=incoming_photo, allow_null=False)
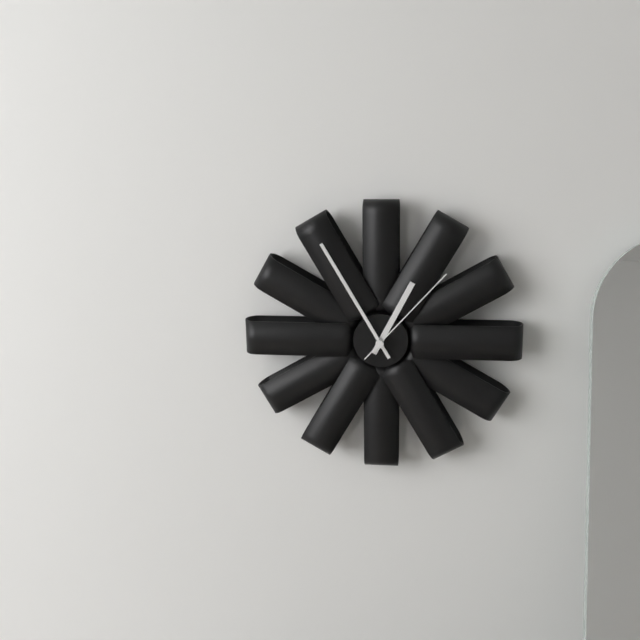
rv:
12h55m07s
